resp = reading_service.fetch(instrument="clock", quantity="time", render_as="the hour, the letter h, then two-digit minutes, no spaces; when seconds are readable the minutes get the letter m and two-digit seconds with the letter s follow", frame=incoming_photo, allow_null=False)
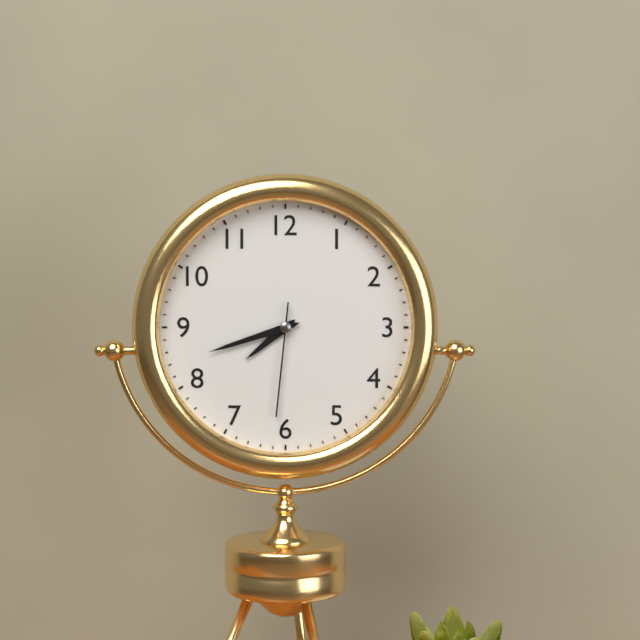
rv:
7h42m31s
